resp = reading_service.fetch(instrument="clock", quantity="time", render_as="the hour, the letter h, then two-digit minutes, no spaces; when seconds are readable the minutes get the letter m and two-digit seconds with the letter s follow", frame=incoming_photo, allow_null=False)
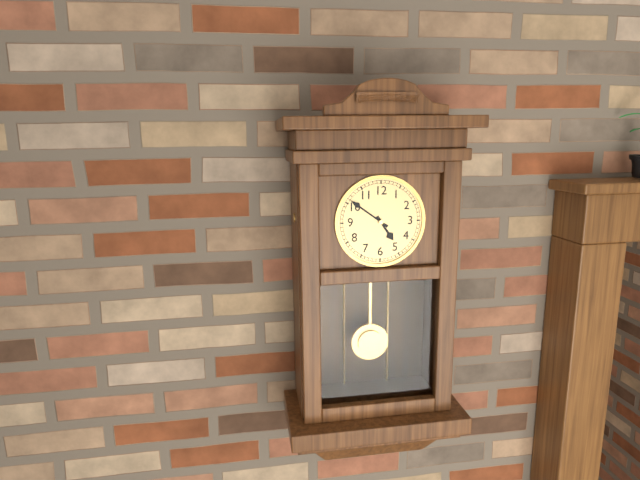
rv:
4h51
